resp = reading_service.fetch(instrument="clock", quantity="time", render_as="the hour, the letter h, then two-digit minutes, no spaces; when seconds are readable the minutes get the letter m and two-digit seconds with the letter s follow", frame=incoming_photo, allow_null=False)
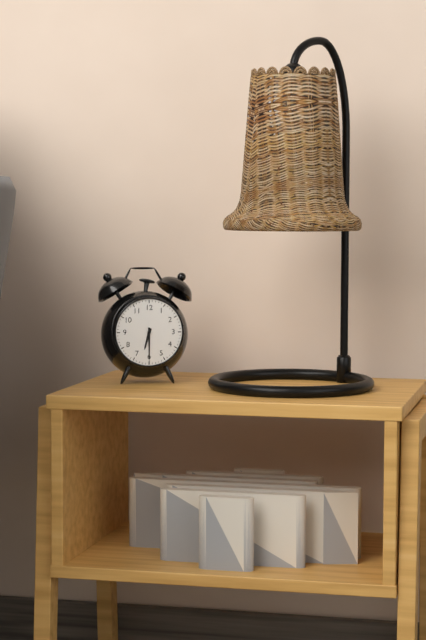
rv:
6h30
